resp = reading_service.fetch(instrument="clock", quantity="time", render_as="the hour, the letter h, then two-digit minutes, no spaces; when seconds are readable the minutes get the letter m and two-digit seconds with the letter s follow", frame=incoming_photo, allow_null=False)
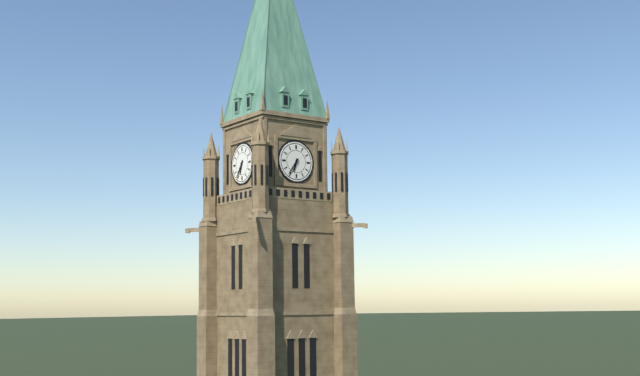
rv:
6h36
